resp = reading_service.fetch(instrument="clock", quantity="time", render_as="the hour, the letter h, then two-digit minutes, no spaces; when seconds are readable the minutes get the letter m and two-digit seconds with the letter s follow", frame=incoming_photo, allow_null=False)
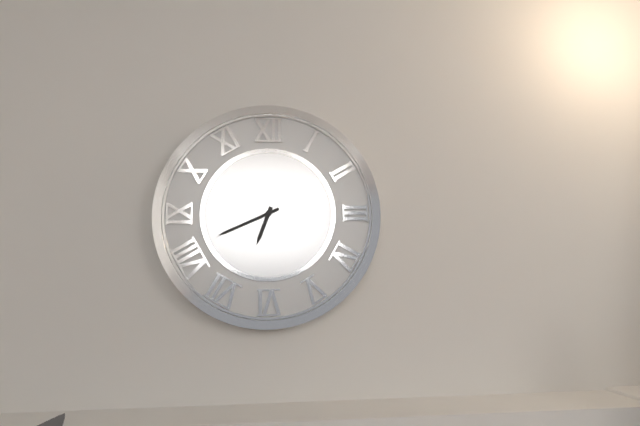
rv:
6h41
